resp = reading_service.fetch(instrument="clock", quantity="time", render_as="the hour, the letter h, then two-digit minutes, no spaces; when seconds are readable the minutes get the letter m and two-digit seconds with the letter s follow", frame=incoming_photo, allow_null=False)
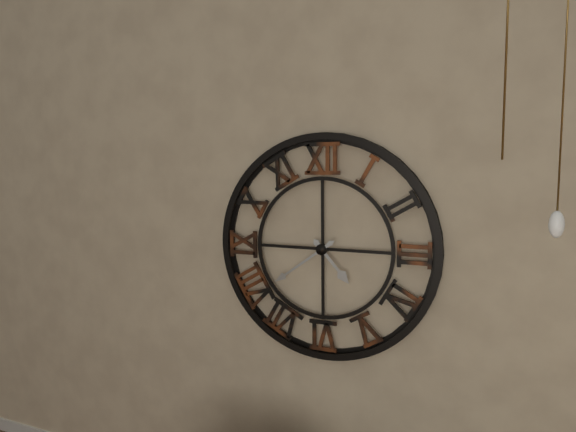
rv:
4h39
